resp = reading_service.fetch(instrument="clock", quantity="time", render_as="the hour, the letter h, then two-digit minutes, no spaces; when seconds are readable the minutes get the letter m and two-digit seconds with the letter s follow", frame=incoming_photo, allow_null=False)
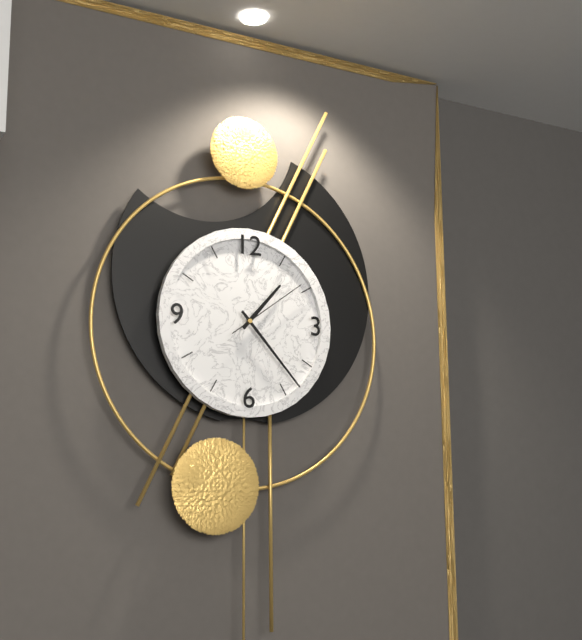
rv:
1h23m09s
